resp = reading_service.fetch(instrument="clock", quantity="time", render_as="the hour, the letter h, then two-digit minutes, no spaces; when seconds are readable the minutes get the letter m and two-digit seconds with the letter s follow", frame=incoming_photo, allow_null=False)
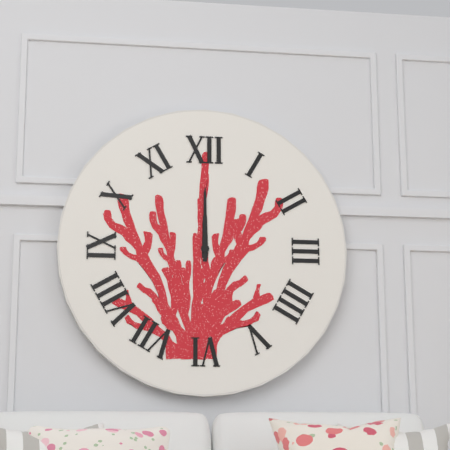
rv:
12h00
